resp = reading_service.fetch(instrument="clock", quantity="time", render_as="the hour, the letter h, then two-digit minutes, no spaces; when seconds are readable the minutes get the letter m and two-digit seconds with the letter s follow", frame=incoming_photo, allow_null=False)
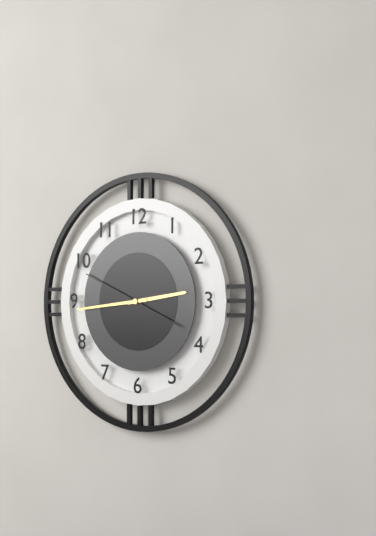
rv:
2h44m49s
